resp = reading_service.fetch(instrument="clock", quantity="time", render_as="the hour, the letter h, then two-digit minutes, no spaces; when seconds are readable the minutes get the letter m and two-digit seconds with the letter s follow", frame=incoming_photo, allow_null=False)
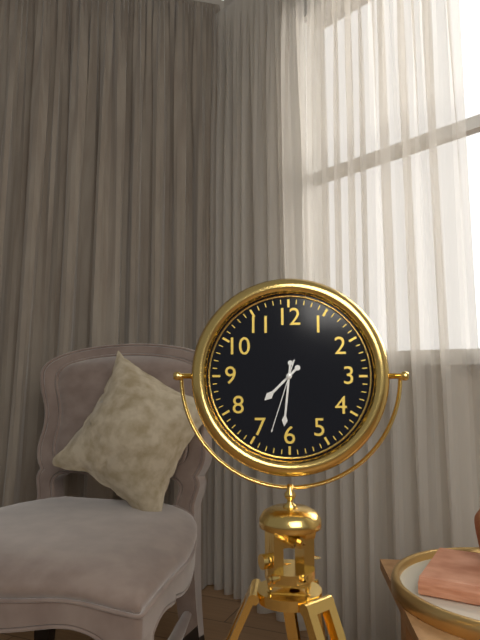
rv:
7h31m33s
